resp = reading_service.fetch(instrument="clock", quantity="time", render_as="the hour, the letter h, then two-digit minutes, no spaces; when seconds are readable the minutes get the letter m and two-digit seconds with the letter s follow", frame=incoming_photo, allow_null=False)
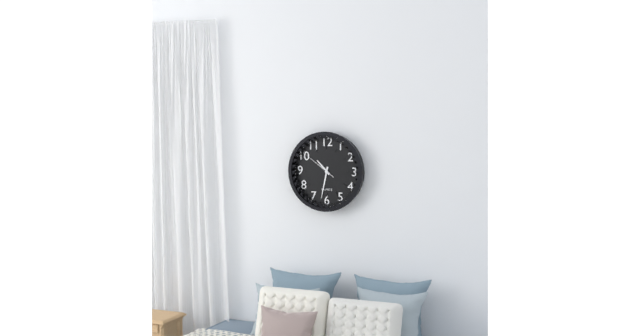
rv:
10h32
